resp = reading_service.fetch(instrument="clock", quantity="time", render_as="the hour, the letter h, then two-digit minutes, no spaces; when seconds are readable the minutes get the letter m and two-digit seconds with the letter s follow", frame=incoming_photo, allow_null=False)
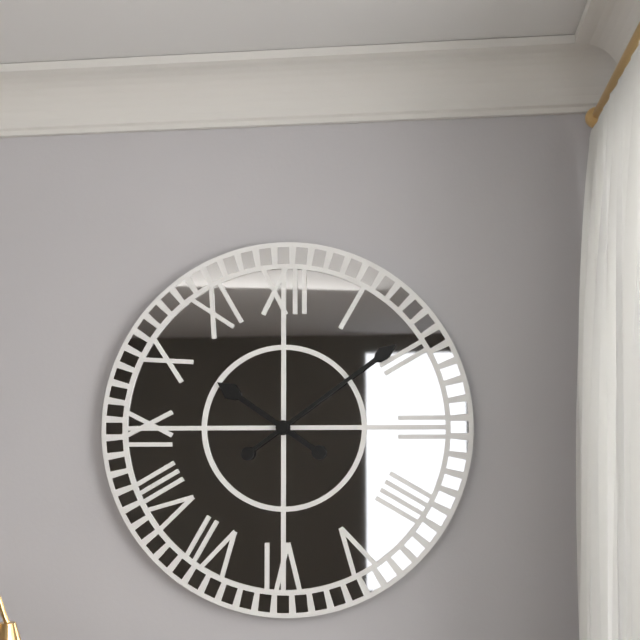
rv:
10h09
